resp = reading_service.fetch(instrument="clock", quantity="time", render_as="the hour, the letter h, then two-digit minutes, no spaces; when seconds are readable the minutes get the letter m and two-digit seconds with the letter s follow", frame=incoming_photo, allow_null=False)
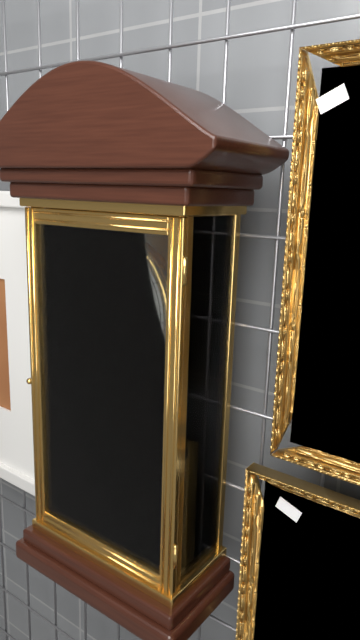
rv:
9h52
